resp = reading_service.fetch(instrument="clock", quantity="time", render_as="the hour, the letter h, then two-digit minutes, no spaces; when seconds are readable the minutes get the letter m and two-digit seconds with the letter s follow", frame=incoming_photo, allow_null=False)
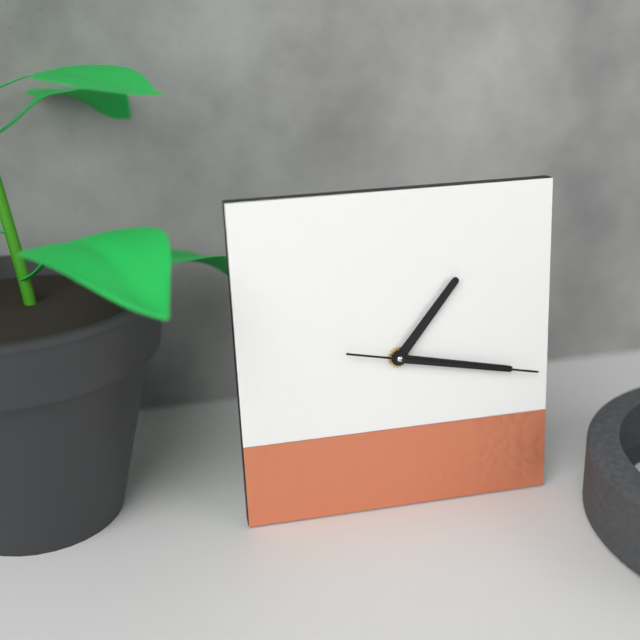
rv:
1h17m17s
